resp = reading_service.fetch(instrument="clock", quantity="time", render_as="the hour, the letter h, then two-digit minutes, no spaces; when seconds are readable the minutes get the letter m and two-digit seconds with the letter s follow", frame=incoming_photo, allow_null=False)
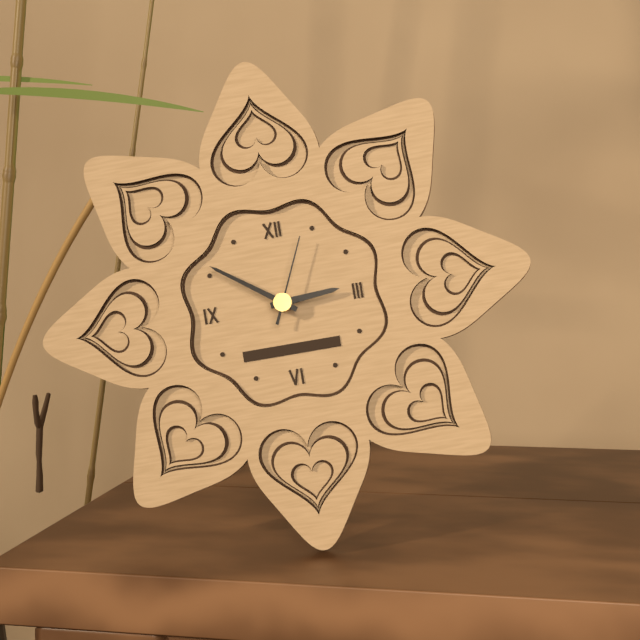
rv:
2h51m04s
